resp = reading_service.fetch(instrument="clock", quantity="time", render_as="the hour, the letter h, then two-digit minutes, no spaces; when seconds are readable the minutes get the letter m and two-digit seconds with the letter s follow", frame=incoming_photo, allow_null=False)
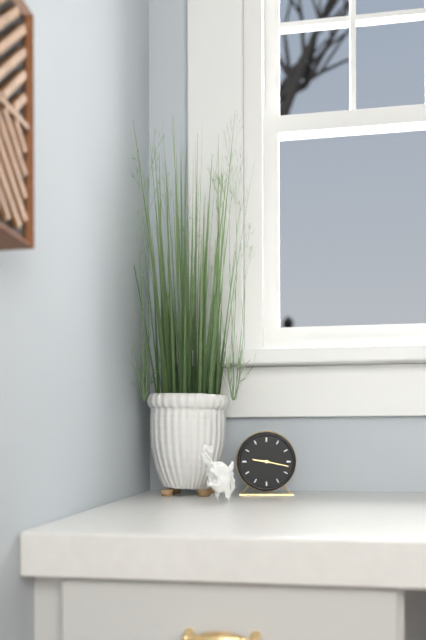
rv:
9h17
